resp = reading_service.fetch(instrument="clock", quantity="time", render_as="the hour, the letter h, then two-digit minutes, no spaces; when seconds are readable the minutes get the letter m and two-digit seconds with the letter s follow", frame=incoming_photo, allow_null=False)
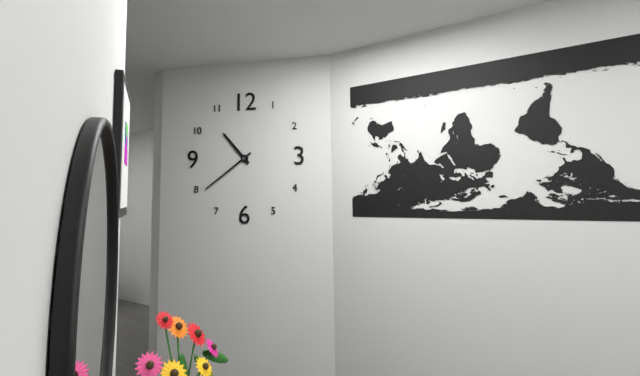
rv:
10h39
